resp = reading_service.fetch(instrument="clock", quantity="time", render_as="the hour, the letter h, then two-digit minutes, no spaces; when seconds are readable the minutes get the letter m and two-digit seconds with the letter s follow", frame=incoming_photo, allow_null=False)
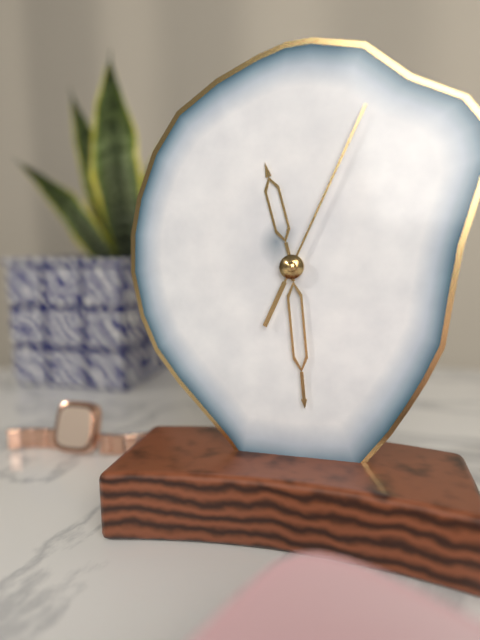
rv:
11h29m04s
